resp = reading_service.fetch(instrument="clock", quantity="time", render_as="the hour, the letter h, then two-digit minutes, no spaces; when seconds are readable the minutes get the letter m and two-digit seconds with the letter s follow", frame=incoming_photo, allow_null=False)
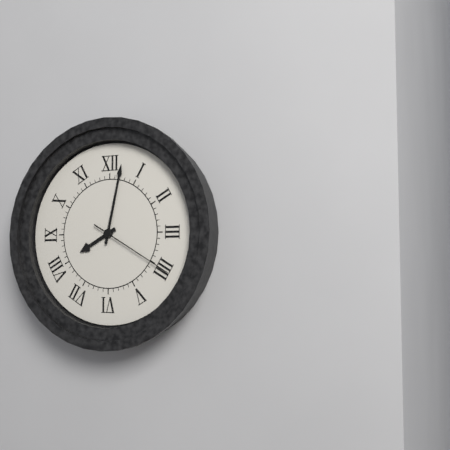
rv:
8h02m20s
